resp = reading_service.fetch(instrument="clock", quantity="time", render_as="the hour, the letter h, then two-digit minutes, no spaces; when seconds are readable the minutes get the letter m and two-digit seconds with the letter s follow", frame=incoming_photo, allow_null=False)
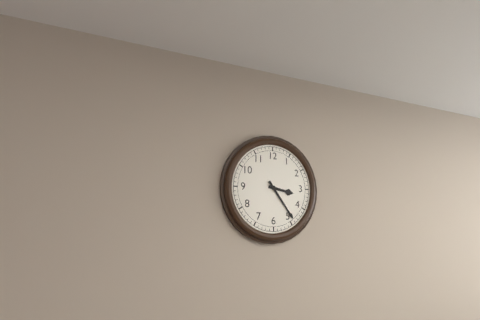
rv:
3h24
